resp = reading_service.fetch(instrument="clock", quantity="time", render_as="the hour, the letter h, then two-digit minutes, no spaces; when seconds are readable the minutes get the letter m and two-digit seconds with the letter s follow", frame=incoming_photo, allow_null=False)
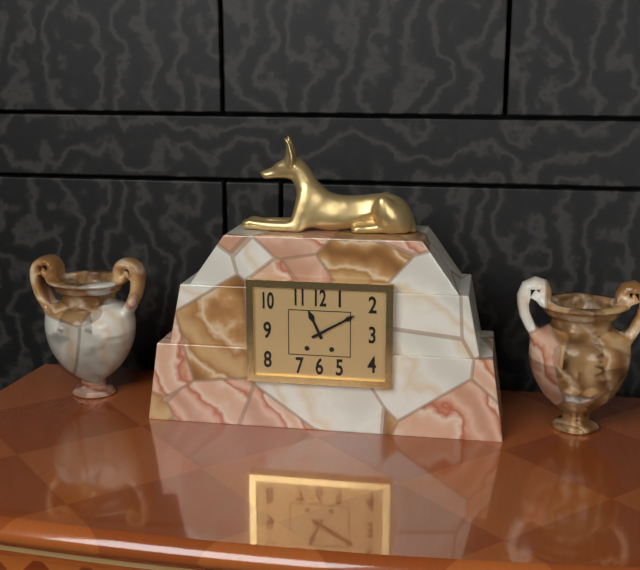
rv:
11h10
